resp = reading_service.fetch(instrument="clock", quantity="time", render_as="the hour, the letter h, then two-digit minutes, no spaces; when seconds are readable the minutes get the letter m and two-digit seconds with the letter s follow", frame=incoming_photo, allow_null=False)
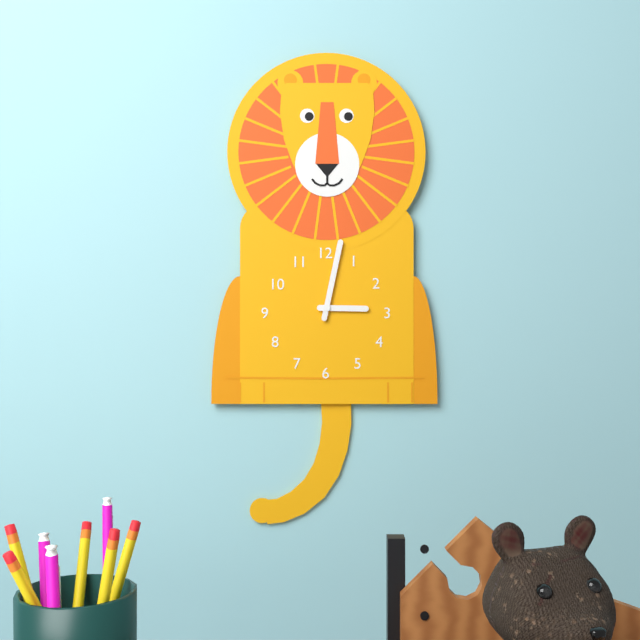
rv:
3h02
